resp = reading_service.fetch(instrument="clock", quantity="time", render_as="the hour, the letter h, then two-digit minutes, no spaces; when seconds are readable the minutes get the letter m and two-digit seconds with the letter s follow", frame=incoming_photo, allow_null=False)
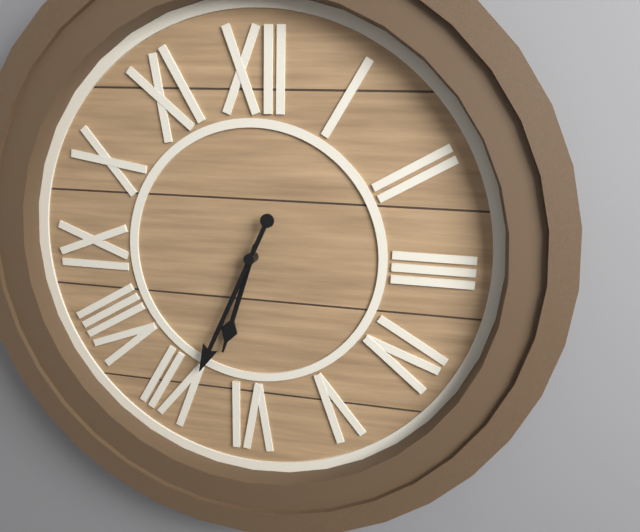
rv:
6h34
